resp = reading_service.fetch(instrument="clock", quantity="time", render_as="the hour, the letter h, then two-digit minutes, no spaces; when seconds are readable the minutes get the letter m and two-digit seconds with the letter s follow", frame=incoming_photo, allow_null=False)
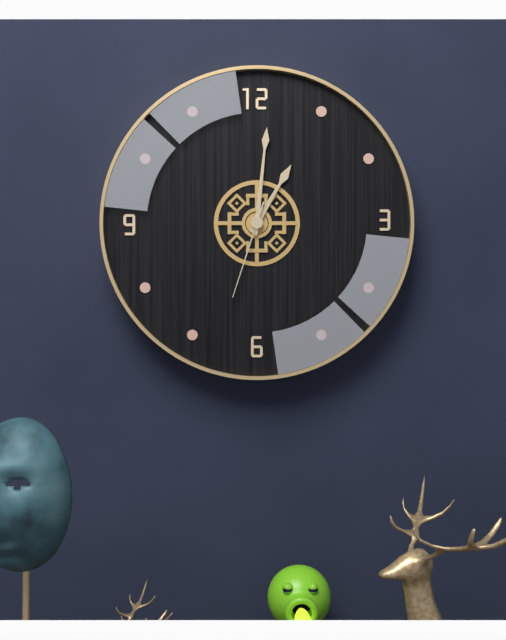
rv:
1h01m33s
